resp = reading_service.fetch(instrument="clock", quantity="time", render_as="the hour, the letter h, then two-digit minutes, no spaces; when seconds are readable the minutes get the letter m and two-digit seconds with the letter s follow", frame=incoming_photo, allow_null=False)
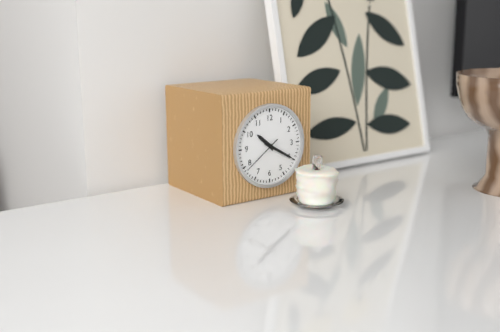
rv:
10h20
